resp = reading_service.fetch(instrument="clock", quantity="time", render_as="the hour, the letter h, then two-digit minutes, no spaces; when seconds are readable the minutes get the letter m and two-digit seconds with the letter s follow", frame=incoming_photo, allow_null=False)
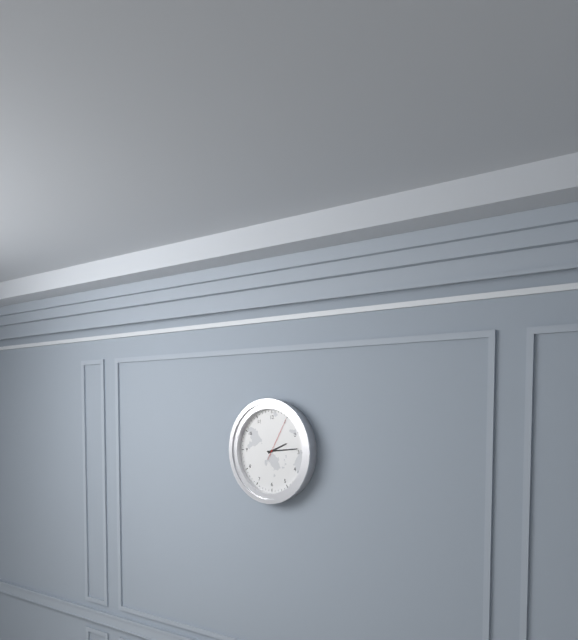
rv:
2h14
